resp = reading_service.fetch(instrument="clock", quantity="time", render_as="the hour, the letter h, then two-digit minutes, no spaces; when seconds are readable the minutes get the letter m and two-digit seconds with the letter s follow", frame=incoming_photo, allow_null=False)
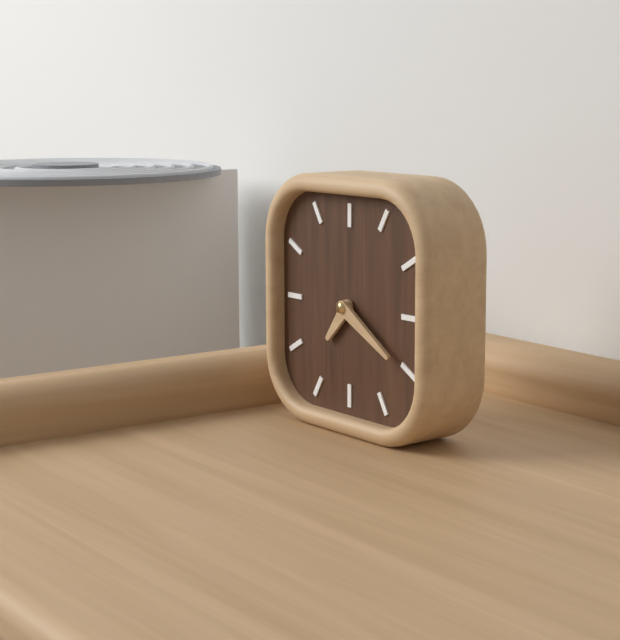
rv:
7h20
